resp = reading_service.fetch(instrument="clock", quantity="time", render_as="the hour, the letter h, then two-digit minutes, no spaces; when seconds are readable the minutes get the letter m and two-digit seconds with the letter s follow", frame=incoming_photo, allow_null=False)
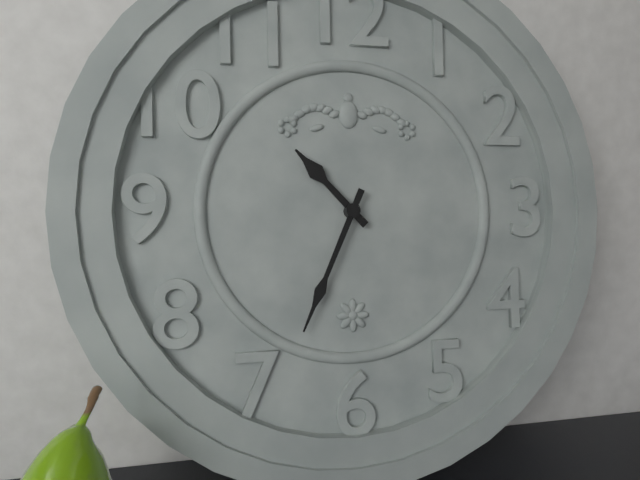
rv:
10h34
